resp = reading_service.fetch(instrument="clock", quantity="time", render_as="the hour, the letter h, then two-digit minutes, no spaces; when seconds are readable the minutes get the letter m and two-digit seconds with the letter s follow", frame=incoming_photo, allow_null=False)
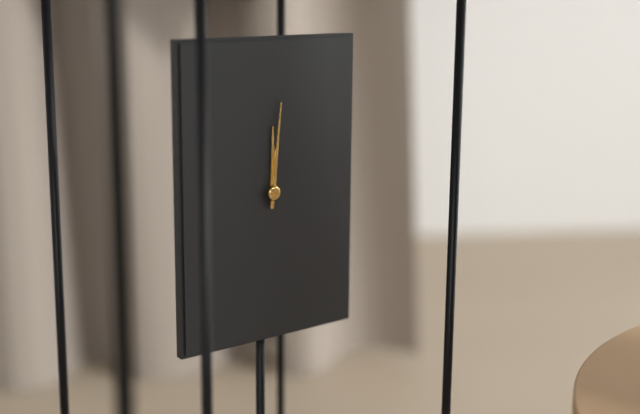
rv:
12h01
